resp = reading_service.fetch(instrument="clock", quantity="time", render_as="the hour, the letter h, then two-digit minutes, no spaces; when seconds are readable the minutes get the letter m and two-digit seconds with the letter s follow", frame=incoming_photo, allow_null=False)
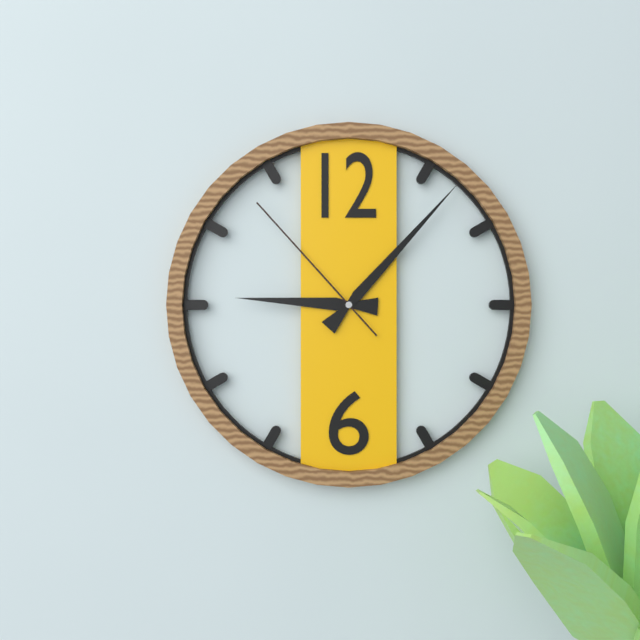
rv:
9h07m53s
